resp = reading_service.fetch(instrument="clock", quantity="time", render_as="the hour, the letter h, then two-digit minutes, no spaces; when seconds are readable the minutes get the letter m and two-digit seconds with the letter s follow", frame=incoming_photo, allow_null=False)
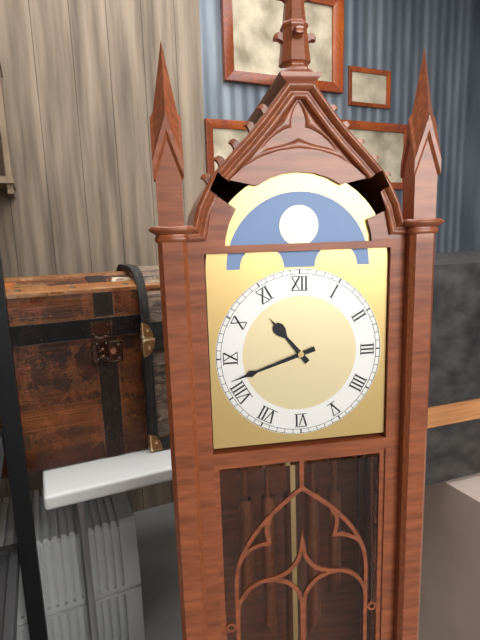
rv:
10h42
